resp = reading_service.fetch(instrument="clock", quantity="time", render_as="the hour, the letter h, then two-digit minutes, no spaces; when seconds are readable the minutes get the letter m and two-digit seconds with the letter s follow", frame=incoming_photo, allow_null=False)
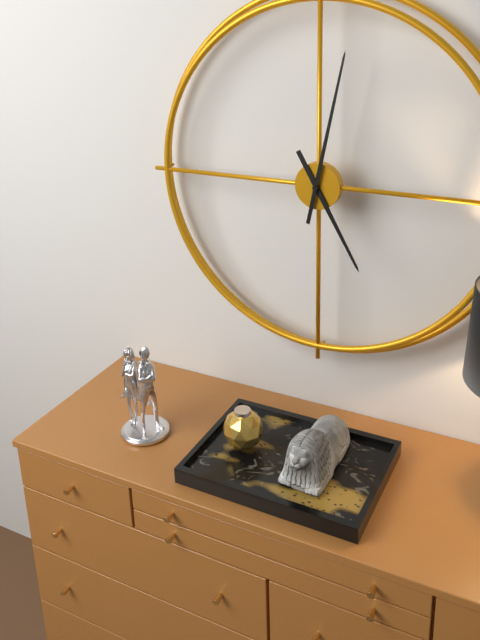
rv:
5h02
